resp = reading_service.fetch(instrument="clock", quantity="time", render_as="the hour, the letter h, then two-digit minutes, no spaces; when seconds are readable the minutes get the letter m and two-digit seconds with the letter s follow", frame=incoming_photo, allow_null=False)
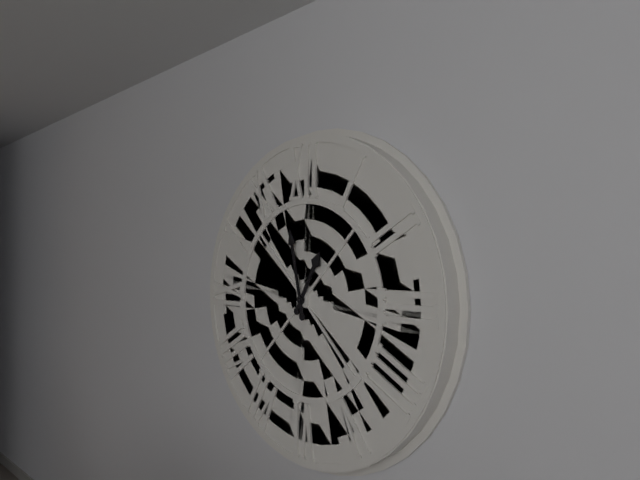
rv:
12h58
